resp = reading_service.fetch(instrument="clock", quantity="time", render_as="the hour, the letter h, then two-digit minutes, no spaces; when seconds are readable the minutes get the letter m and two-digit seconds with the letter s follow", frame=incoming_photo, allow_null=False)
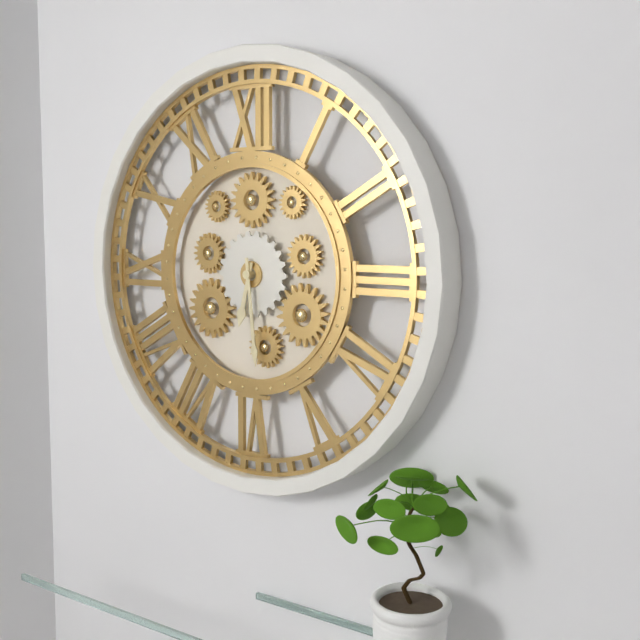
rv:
6h29
